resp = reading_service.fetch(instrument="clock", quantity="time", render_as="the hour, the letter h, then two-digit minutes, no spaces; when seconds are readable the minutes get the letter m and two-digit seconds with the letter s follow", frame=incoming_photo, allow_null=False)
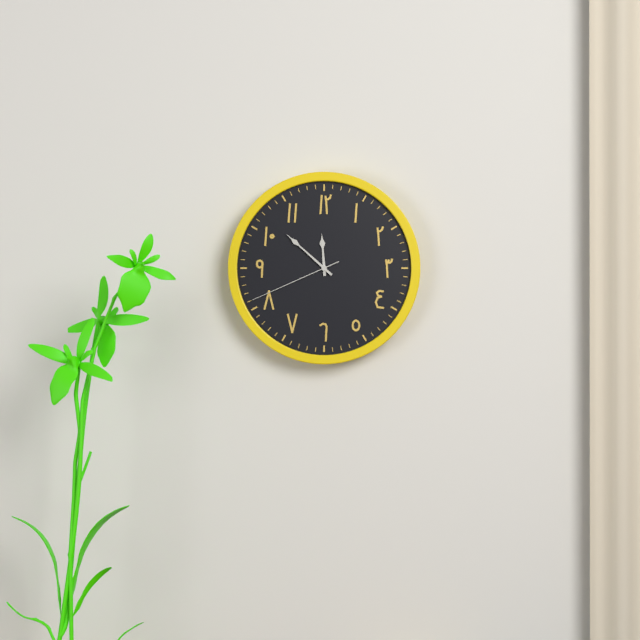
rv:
11h52m41s
